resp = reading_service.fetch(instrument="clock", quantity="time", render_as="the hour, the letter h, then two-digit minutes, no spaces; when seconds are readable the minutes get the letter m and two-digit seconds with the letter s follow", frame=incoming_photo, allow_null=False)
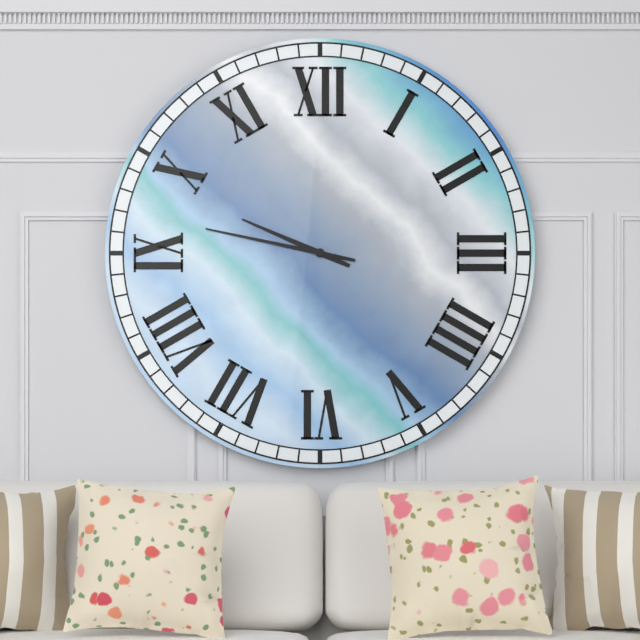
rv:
9h47
